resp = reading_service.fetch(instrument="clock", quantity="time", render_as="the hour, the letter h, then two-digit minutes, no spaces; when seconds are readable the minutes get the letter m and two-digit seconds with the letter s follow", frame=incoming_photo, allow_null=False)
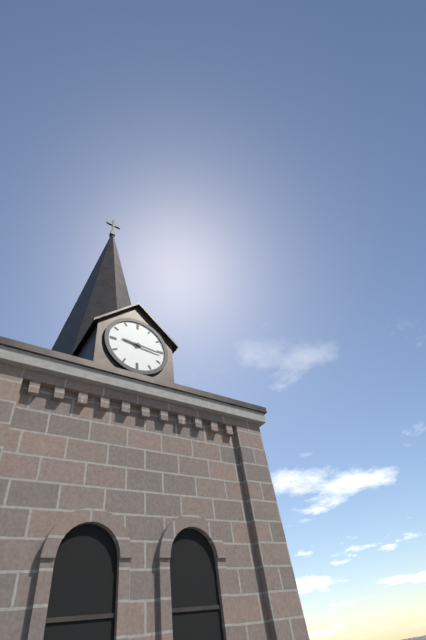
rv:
9h16
